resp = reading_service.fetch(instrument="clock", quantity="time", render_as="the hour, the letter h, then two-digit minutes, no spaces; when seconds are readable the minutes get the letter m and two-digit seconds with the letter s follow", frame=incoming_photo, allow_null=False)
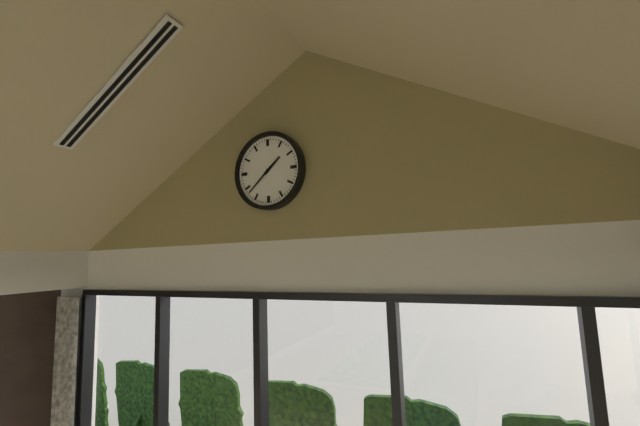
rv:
1h38
